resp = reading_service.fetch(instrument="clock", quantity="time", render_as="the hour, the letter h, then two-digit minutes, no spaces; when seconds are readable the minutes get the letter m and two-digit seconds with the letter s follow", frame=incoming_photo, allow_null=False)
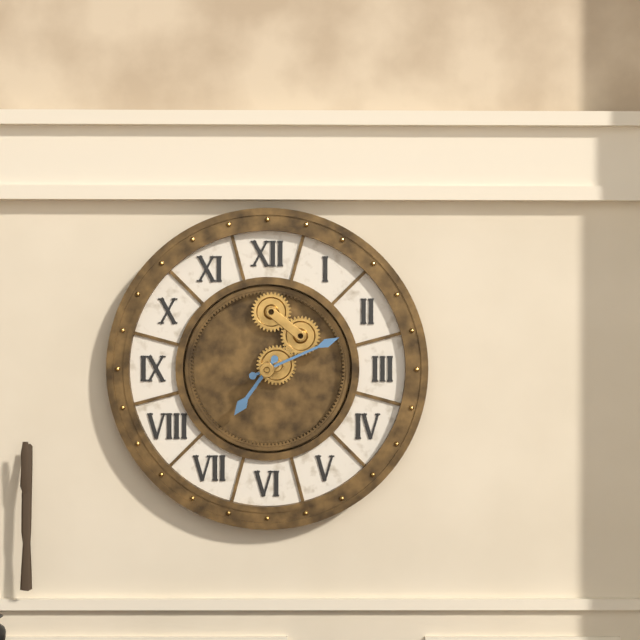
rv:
7h11
